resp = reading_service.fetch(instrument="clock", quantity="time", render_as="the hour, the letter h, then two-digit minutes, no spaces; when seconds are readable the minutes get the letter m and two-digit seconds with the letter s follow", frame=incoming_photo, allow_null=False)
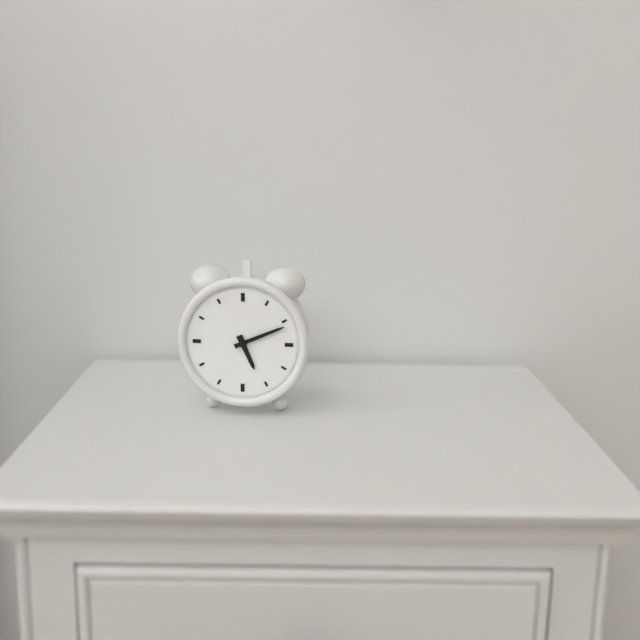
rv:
5h11
